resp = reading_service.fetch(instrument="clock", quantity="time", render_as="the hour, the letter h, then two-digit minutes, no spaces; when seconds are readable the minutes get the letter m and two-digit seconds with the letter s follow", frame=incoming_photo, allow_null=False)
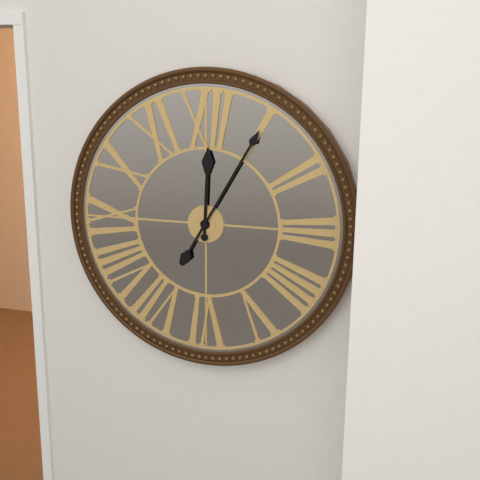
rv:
12h05
